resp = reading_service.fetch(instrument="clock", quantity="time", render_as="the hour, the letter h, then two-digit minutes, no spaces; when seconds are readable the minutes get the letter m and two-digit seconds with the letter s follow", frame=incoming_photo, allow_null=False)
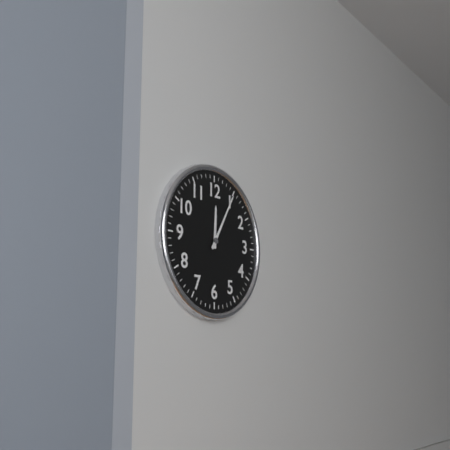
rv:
12h05
